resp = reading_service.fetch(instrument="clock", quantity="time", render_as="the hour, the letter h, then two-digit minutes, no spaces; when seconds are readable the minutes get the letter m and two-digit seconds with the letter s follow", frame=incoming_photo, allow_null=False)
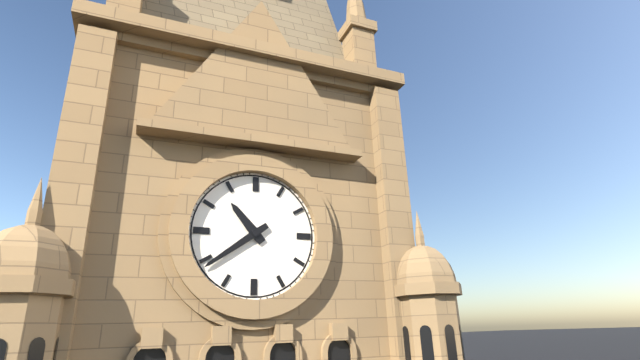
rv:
10h39
